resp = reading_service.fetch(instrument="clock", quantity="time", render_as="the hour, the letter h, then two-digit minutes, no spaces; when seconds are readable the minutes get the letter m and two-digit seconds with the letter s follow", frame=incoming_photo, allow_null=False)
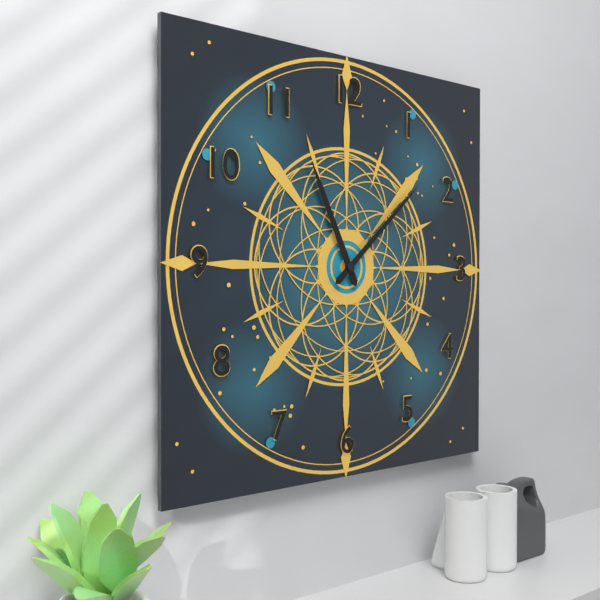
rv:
11h08
